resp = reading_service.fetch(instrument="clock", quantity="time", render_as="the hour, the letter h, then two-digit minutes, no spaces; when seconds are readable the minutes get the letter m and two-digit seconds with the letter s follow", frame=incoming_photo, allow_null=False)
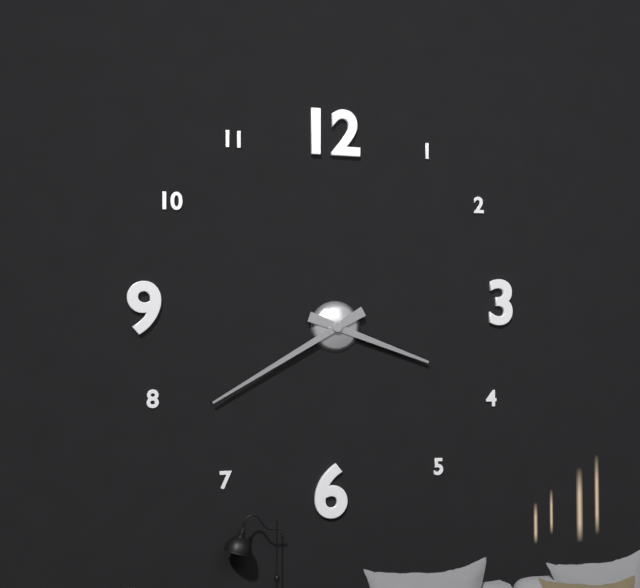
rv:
3h40
